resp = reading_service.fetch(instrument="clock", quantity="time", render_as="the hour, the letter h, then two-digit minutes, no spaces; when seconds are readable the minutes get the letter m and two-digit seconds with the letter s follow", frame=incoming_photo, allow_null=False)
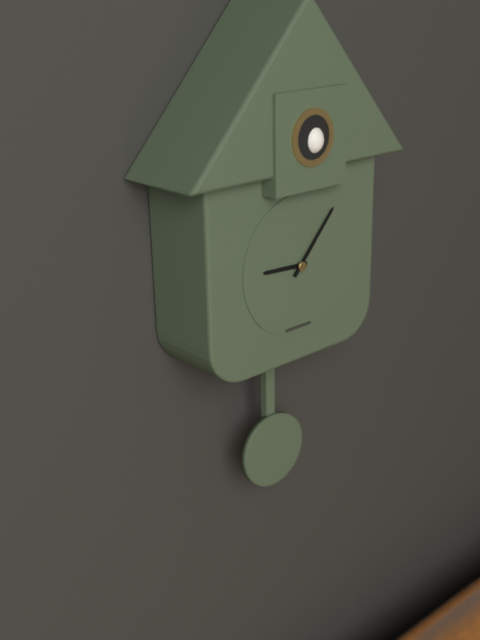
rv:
9h07
